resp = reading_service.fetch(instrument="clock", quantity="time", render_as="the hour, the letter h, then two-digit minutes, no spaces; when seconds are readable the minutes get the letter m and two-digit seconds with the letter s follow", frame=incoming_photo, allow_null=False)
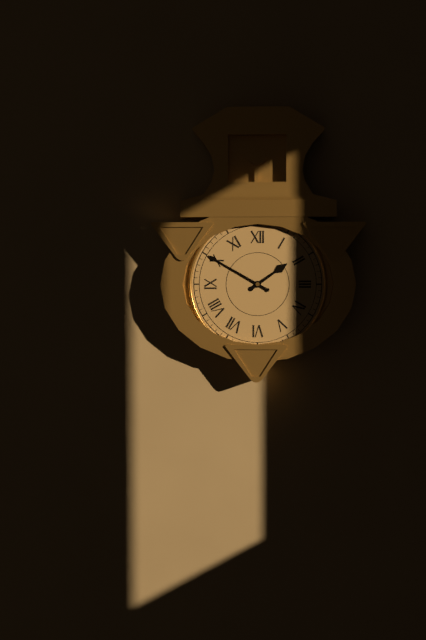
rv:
1h50
